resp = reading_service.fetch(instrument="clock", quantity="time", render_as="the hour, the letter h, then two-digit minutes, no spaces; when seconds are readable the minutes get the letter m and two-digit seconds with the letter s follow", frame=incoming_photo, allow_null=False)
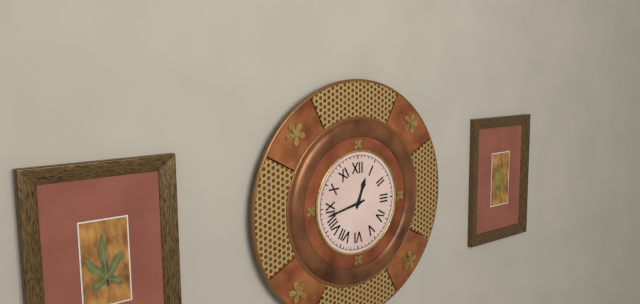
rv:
12h43
